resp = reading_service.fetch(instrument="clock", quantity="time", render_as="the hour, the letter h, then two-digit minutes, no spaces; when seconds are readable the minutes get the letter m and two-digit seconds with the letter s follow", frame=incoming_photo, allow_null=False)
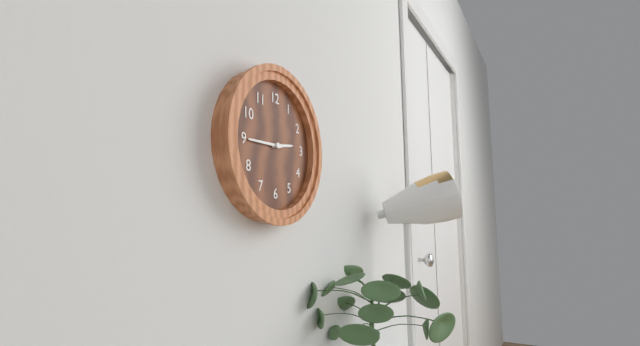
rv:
2h45
